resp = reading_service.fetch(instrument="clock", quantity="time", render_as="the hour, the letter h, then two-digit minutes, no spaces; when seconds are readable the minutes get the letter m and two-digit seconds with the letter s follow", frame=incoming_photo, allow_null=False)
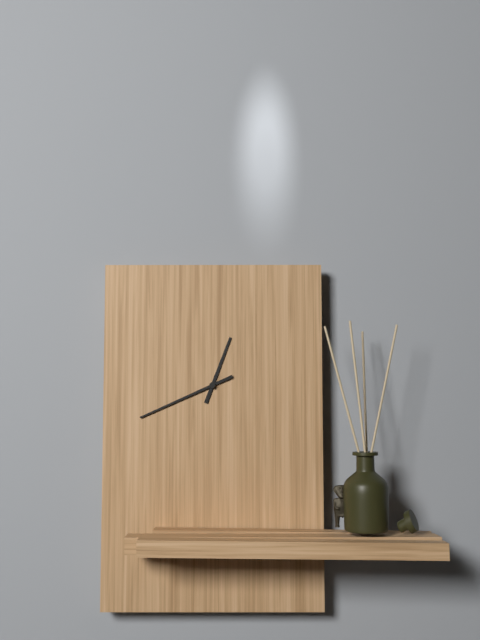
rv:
12h41
